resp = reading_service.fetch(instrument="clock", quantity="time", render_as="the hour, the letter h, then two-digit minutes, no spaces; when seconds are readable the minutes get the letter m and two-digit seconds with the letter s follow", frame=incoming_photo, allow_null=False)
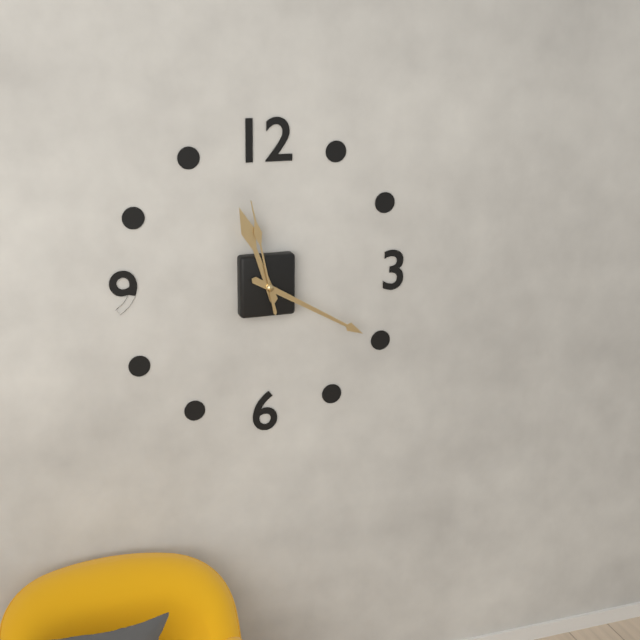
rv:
11h20m58s
